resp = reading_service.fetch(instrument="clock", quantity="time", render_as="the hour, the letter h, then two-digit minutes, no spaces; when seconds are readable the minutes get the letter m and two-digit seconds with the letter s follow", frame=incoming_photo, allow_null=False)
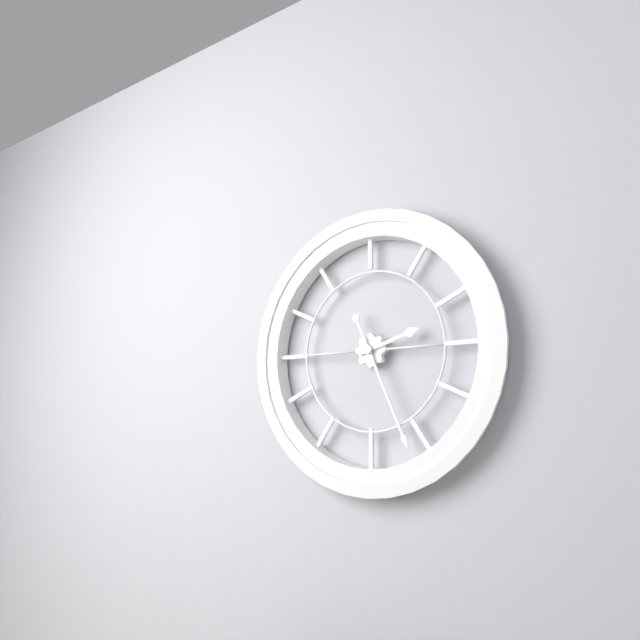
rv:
2h26
